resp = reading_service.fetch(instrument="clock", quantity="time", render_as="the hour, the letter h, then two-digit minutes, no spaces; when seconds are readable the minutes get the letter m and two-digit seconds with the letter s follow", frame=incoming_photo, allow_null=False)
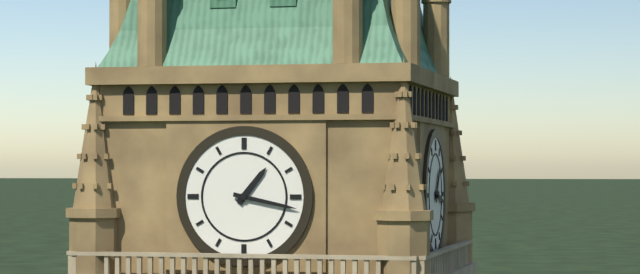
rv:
1h17
